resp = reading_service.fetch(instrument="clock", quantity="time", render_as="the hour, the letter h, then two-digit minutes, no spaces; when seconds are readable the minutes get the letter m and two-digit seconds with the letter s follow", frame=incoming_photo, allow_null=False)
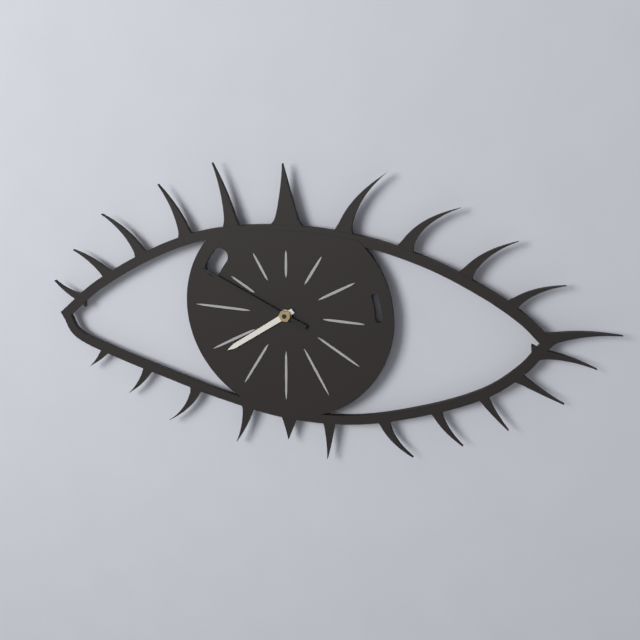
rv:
7h49
